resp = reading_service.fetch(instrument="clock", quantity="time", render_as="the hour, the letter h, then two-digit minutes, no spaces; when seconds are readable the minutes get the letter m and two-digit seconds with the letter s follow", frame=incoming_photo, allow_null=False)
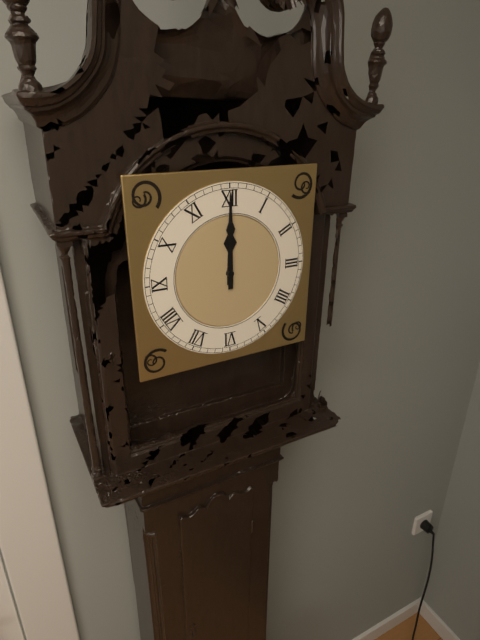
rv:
12h00
